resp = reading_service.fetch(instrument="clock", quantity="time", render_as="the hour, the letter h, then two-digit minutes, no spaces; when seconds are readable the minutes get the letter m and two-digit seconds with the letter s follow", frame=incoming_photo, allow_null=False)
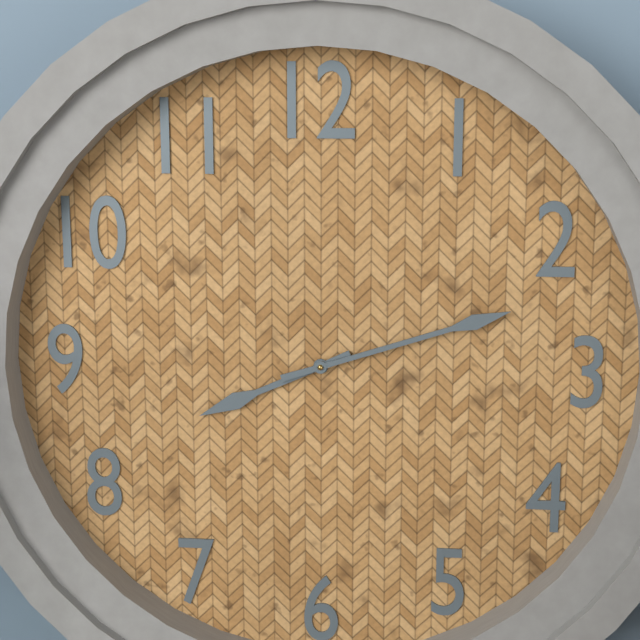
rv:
8h12
